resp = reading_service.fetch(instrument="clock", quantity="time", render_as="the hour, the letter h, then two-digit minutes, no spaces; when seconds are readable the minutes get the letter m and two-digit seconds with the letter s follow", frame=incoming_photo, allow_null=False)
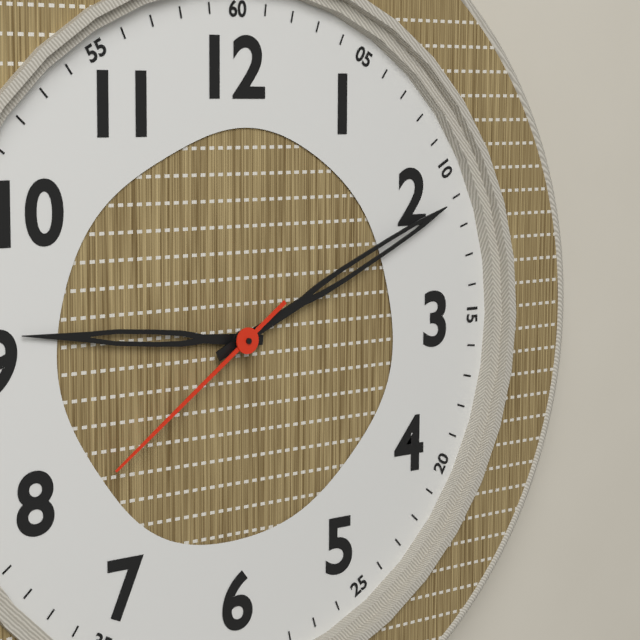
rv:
9h11m39s
